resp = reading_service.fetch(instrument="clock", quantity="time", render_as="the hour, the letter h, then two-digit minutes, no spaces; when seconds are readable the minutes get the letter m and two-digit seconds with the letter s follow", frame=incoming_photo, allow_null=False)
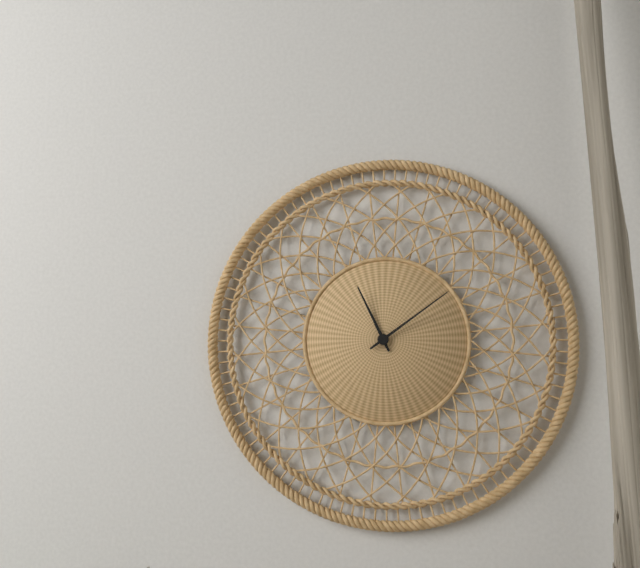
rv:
11h09
